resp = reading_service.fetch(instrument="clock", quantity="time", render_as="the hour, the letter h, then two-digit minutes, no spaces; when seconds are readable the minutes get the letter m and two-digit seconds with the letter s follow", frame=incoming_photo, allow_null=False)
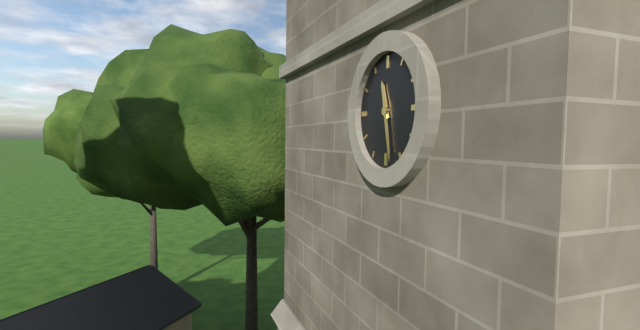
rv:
11h28
